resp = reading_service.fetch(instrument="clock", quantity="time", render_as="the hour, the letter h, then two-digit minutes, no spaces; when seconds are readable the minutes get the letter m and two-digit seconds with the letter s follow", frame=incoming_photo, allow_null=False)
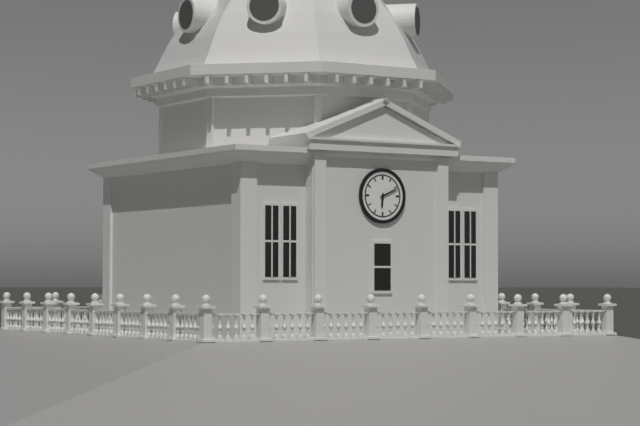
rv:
6h11
